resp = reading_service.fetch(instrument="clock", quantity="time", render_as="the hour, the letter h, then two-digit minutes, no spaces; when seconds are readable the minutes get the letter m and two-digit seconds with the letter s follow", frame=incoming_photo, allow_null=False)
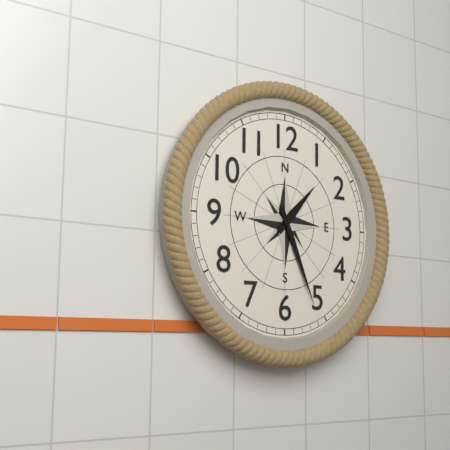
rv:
1h26
